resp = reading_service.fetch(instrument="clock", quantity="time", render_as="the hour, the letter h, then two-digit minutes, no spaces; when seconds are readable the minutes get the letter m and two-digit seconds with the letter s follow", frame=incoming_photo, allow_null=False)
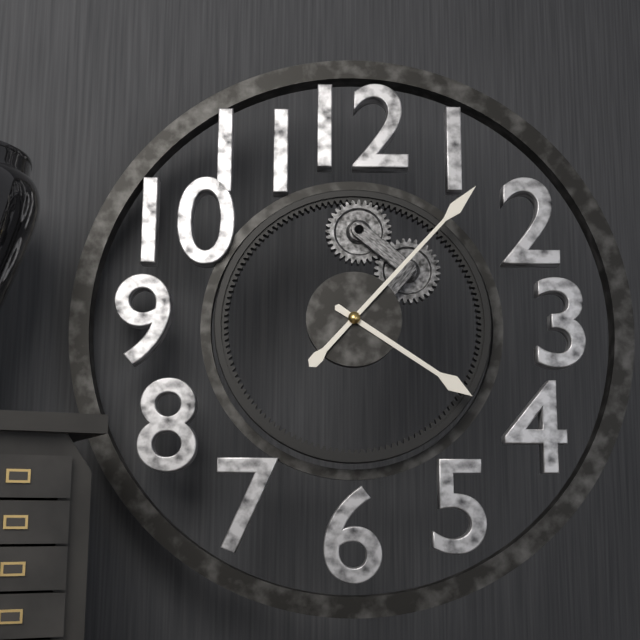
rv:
4h07
